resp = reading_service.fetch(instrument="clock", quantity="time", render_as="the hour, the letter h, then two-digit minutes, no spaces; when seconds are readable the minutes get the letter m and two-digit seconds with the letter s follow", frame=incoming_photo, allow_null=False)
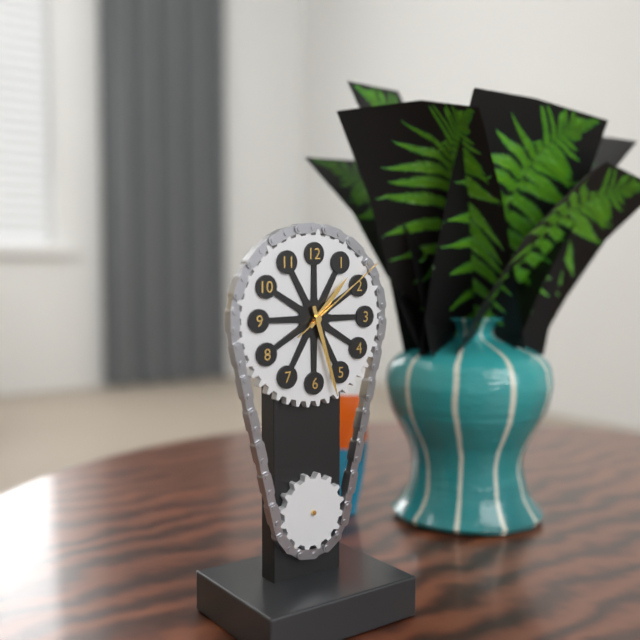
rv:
1h27m09s
